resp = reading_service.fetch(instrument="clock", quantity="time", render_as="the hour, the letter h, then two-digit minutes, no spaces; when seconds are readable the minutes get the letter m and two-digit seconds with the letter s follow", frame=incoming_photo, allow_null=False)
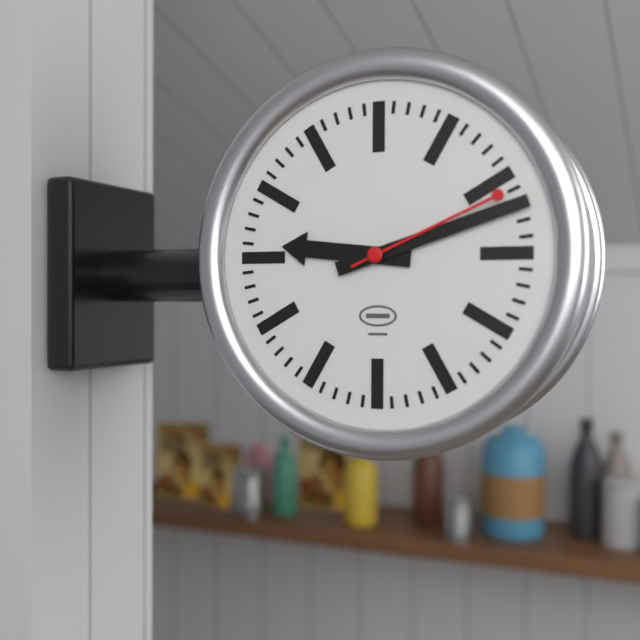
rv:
9h12m11s
